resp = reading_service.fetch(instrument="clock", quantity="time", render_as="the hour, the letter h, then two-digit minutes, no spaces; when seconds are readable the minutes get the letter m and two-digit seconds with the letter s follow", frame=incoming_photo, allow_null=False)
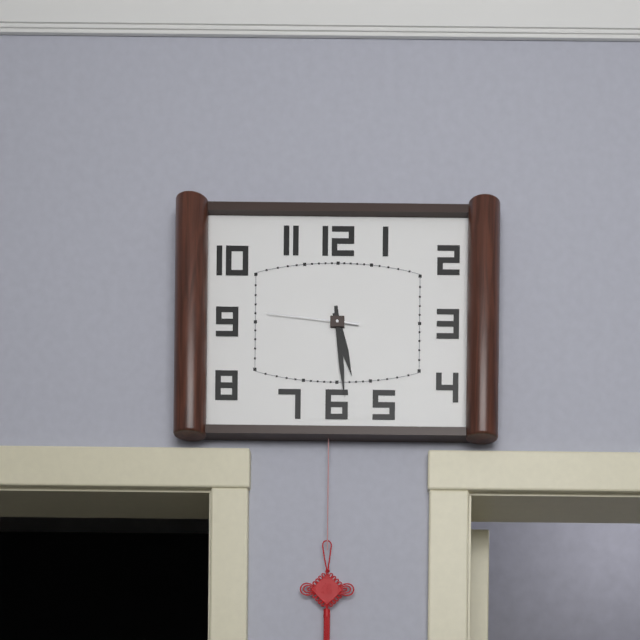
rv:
5h29m46s
